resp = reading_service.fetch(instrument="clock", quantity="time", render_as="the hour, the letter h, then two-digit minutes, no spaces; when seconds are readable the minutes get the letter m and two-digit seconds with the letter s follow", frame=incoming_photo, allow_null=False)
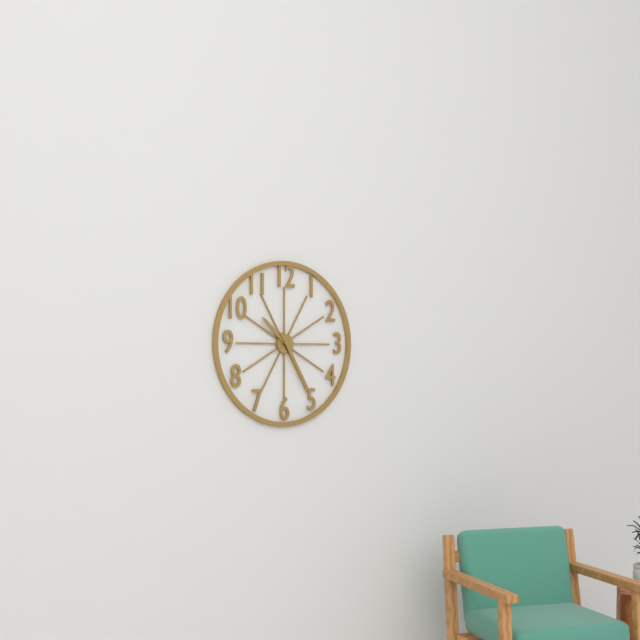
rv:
10h25
